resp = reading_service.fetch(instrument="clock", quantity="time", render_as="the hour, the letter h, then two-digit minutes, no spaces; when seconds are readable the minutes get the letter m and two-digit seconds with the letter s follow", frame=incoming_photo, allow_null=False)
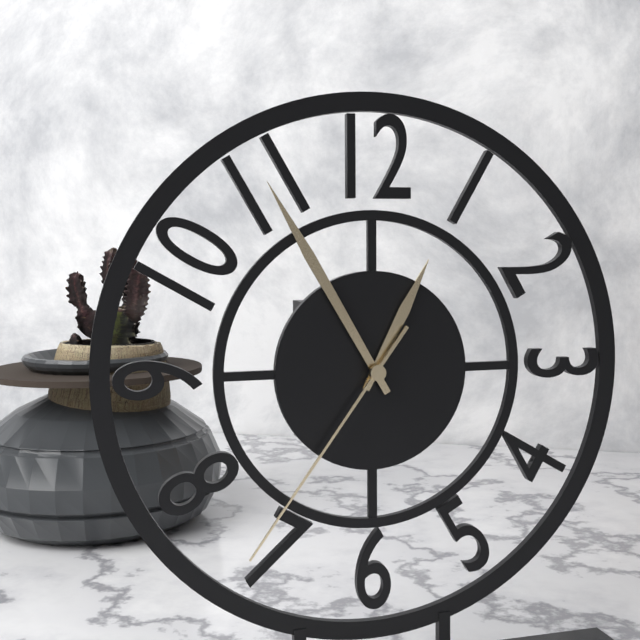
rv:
12h55m36s
